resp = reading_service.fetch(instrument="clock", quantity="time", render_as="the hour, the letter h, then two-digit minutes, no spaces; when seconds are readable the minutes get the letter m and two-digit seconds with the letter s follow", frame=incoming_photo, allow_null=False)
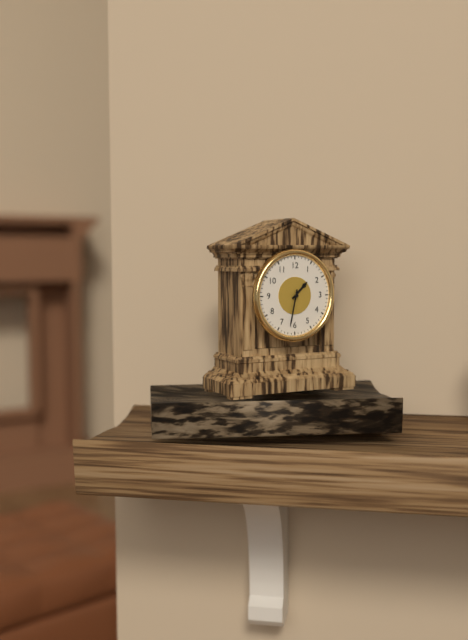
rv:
1h32
